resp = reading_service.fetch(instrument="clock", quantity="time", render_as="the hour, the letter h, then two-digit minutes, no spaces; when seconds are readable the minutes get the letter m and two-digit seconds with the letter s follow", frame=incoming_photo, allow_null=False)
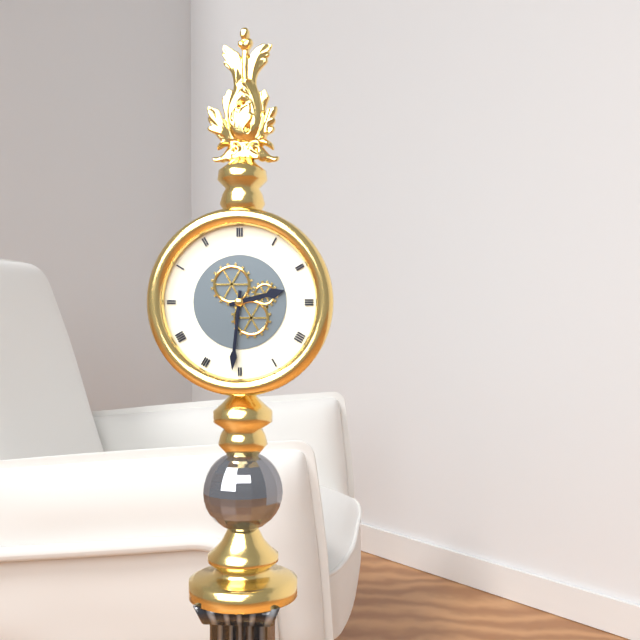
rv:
2h31
